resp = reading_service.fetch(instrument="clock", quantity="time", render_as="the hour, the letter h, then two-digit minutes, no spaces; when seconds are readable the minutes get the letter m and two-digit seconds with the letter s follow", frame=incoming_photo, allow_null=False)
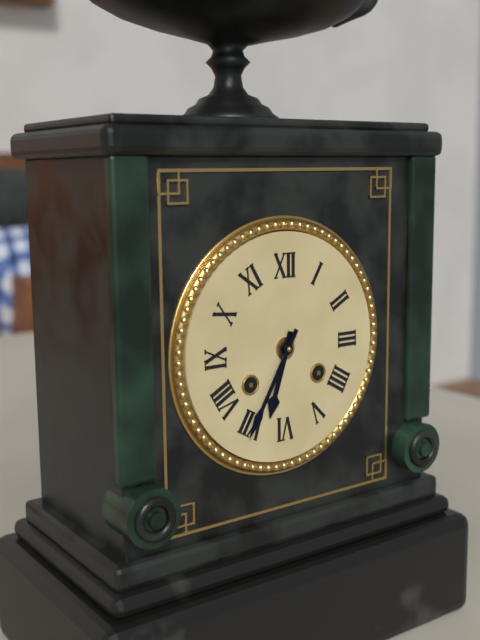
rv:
6h35
